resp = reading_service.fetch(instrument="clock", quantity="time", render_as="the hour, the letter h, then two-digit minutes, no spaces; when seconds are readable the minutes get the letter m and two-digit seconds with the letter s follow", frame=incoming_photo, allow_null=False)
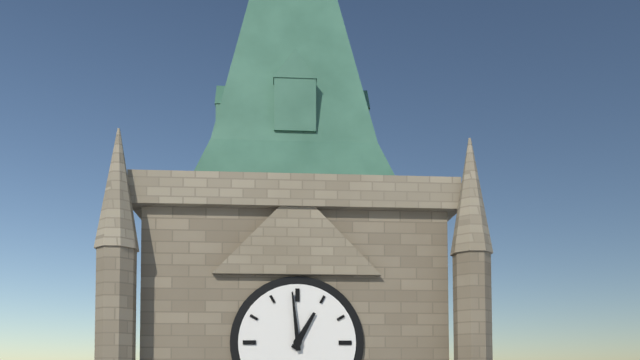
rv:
12h59
